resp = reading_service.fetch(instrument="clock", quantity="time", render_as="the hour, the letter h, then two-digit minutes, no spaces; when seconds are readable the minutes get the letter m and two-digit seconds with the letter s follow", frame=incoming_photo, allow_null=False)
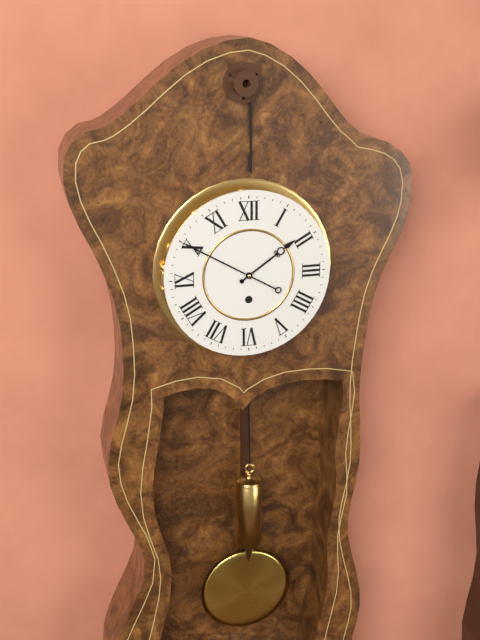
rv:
1h50
